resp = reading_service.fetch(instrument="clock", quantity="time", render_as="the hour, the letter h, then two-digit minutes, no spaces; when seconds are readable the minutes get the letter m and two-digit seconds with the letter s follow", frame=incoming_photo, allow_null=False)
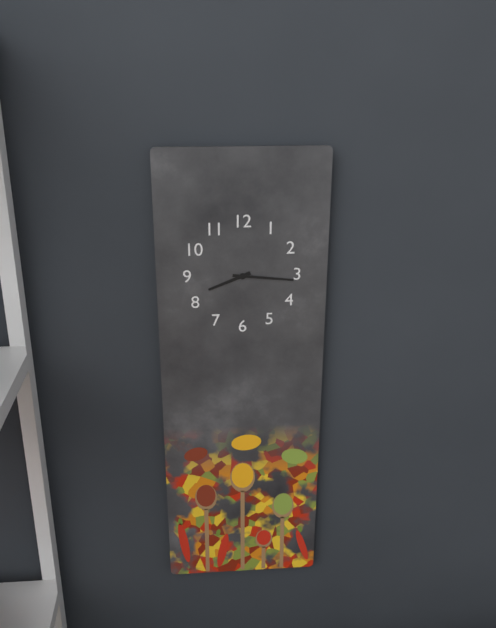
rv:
8h16
